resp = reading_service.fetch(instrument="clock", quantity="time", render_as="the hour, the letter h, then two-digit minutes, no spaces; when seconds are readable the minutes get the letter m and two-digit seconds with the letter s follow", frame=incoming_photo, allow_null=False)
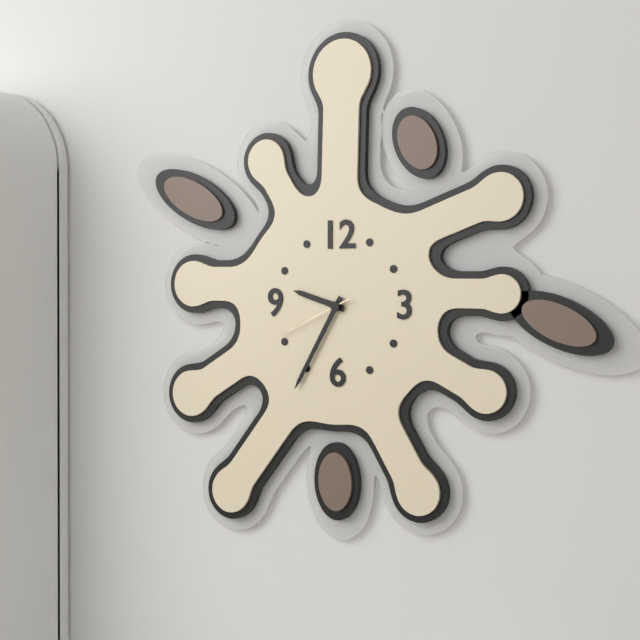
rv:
9h35m41s
